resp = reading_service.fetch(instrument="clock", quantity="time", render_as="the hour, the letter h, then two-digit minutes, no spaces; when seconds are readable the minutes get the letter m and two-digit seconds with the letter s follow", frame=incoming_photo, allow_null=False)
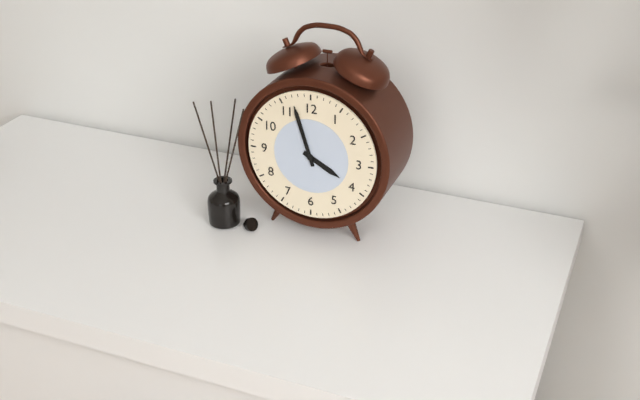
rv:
3h57
